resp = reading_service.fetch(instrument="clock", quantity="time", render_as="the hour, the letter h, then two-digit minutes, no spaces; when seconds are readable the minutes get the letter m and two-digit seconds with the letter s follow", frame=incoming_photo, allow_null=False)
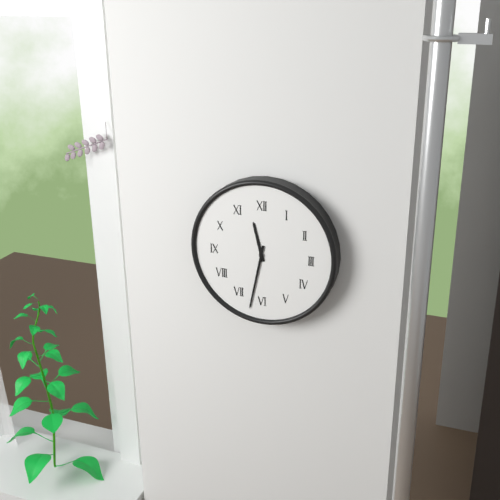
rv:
11h32
